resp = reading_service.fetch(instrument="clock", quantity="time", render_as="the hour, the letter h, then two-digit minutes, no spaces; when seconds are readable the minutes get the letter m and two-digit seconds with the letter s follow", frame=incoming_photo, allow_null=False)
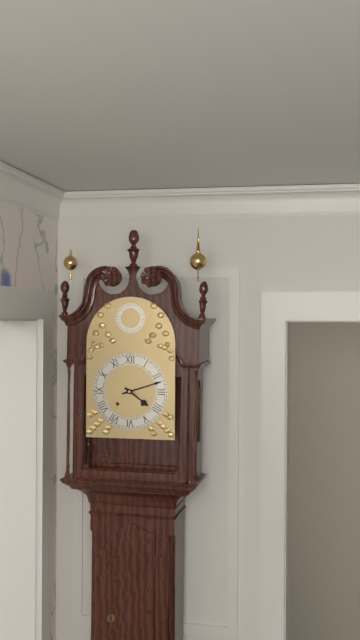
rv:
4h12
